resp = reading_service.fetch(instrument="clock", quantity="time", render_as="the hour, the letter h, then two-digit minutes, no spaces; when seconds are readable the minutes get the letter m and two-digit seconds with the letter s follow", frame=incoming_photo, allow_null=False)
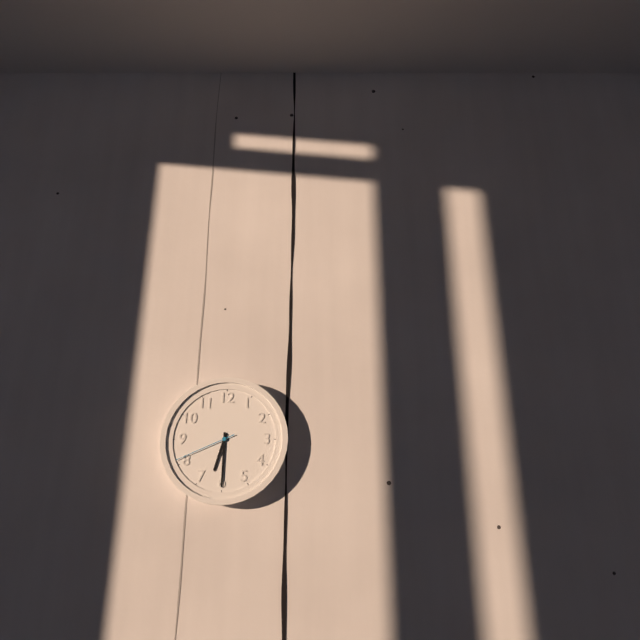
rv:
6h30m41s
